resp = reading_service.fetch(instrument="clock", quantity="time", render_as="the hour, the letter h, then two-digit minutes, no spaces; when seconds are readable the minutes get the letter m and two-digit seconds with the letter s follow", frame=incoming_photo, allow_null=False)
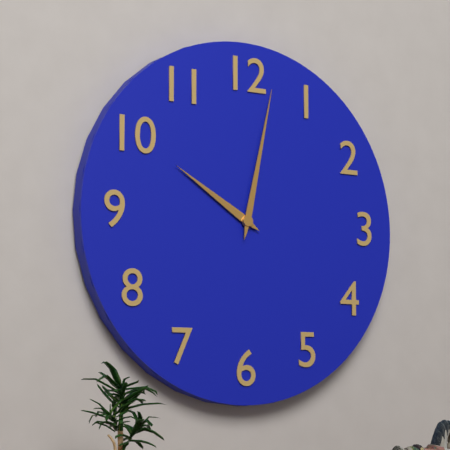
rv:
10h02
